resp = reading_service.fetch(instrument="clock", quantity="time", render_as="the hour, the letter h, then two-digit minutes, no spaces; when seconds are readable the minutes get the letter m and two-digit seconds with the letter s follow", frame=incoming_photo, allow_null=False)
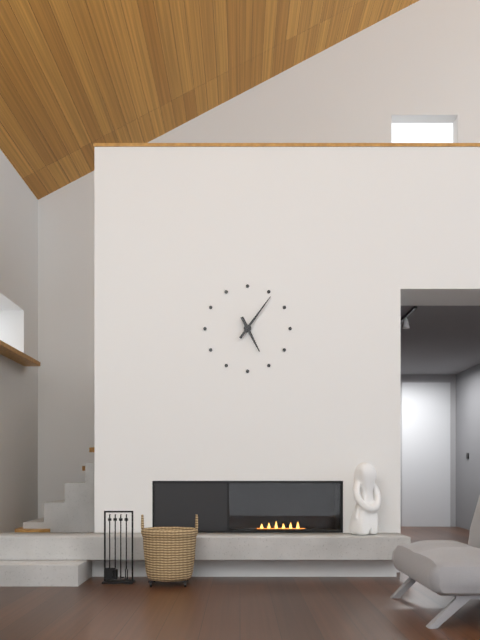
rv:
5h06
